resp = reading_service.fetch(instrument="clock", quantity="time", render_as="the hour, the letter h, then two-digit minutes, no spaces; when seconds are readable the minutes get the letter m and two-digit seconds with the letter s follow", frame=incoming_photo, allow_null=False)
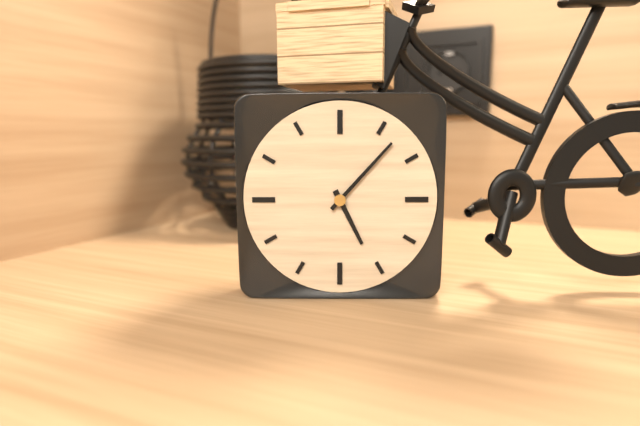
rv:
5h07
